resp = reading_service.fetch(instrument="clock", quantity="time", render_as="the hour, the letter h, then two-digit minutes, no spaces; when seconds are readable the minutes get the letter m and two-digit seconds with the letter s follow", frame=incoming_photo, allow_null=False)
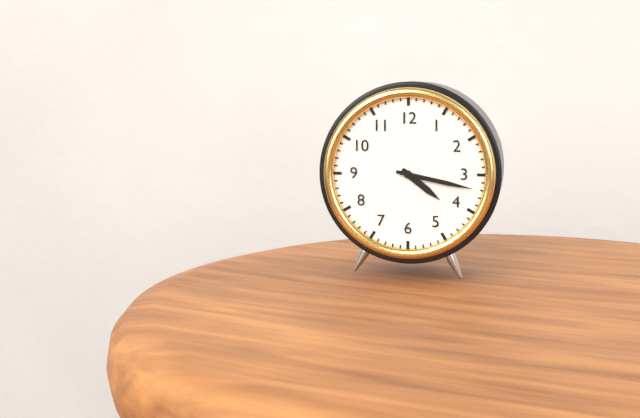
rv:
4h17
